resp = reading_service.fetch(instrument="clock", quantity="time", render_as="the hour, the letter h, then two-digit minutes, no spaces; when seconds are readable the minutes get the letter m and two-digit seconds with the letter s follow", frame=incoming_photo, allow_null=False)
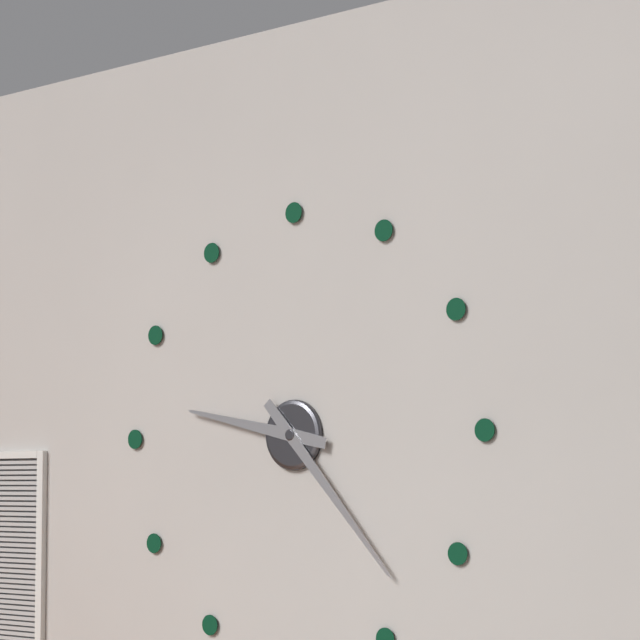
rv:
9h23
